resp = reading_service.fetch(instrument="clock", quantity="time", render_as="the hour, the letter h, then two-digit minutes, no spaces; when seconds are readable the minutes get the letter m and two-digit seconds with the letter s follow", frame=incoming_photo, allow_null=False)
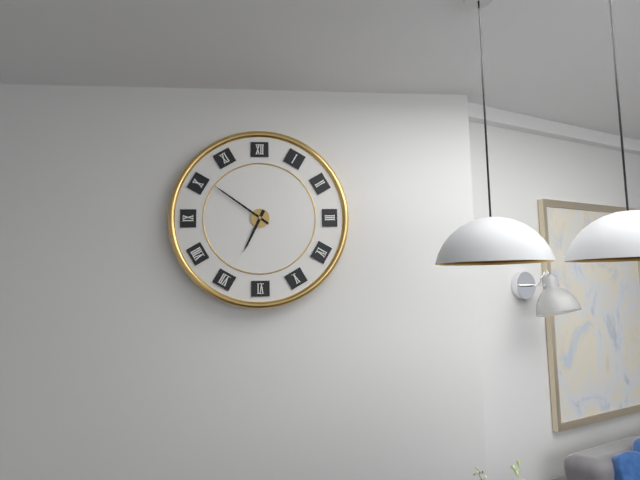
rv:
6h51
